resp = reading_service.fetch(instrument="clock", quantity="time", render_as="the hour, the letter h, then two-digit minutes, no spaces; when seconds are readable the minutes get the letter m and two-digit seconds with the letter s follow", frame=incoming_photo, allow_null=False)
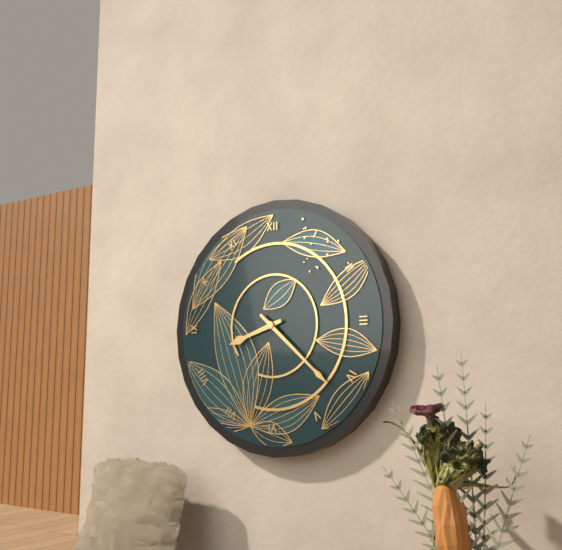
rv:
8h22
